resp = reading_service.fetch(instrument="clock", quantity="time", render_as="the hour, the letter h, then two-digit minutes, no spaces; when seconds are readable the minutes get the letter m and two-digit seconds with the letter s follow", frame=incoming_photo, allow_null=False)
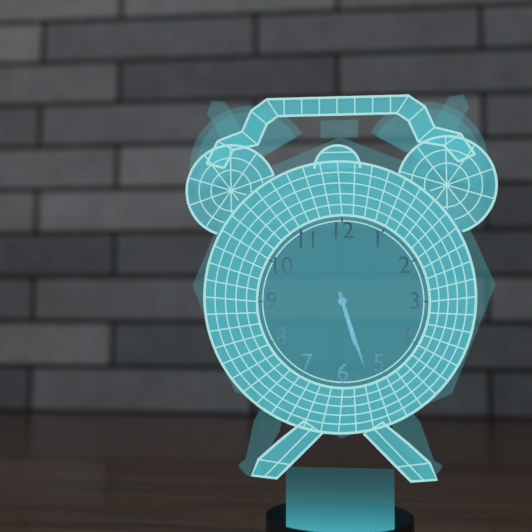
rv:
5h27
